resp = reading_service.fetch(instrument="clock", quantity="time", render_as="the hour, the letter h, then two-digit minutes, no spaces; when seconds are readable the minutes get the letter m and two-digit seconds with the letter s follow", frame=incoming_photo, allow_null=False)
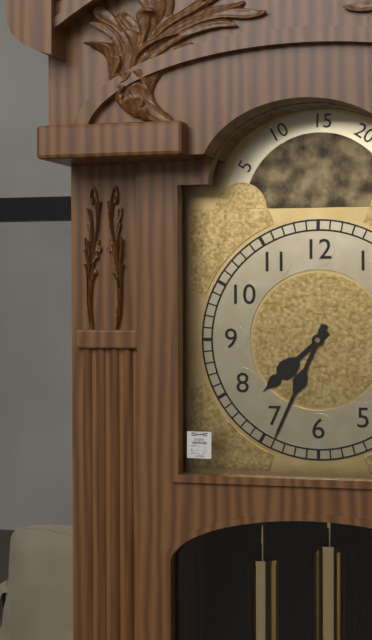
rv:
7h34
